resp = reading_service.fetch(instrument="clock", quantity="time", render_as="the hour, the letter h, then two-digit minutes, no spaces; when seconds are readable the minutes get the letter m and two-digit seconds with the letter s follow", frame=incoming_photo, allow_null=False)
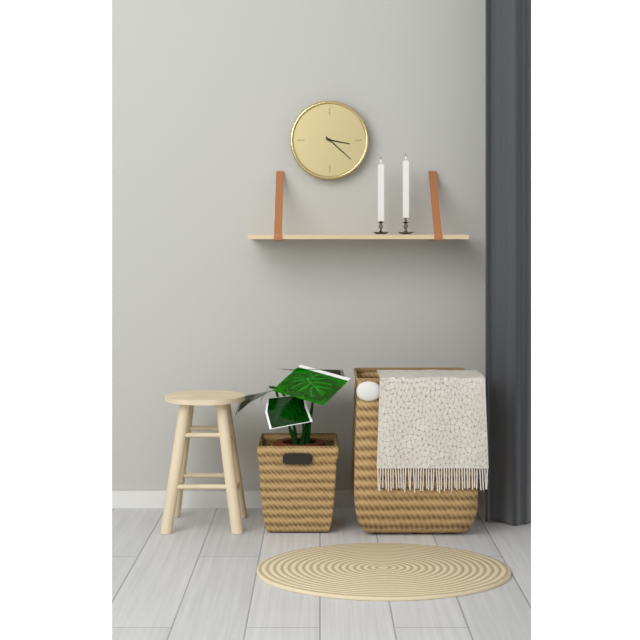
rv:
3h22
